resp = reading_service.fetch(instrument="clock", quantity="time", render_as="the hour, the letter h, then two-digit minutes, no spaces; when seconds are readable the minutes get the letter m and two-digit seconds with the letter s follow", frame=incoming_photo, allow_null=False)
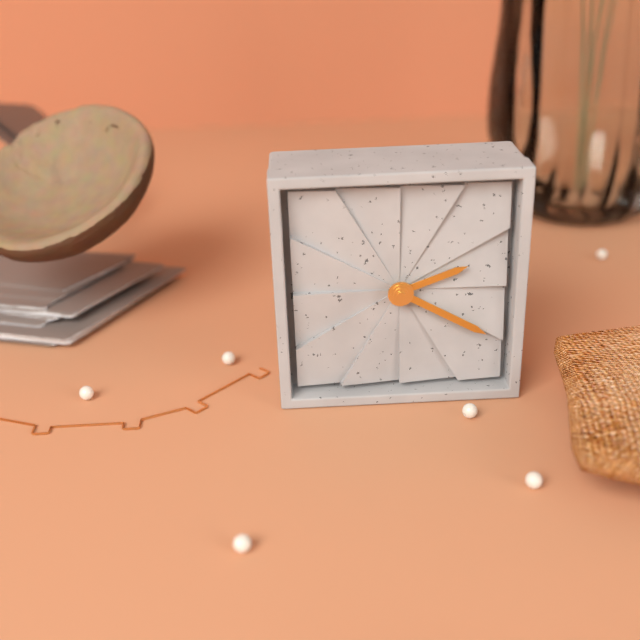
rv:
2h20
